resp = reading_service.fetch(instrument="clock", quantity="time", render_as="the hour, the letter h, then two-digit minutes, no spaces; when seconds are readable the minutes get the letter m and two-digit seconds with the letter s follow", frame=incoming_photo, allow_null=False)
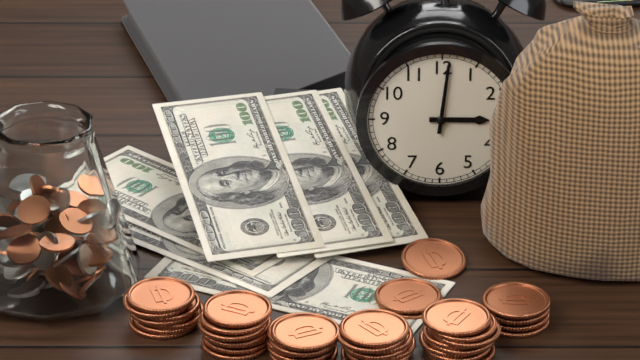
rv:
3h01
